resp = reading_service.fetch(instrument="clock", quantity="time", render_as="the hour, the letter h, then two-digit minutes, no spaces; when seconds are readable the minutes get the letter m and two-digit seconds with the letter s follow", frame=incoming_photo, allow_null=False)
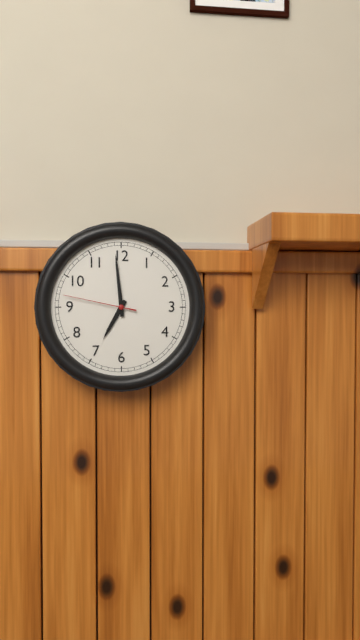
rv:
6h59m47s
